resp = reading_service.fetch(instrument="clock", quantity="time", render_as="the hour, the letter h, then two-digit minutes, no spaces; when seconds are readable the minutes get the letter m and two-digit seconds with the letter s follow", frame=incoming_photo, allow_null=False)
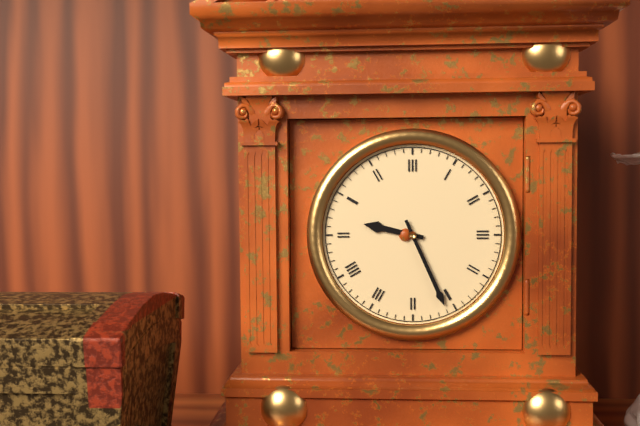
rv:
9h26
